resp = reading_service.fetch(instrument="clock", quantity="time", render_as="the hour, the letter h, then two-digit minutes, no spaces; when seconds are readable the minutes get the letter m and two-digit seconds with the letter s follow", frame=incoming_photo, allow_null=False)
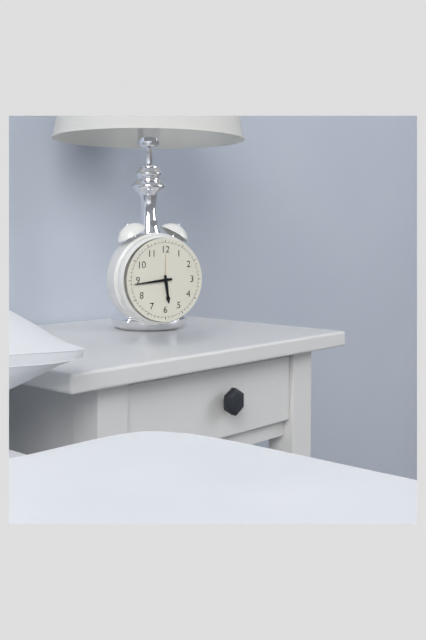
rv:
5h44
